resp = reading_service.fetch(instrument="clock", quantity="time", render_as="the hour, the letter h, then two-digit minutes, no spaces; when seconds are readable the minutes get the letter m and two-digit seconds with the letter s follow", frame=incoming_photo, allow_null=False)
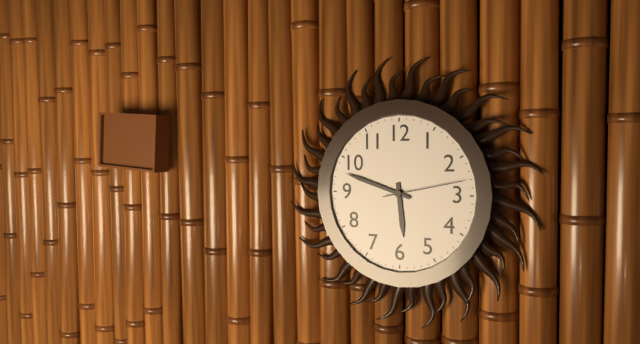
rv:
5h48m13s
